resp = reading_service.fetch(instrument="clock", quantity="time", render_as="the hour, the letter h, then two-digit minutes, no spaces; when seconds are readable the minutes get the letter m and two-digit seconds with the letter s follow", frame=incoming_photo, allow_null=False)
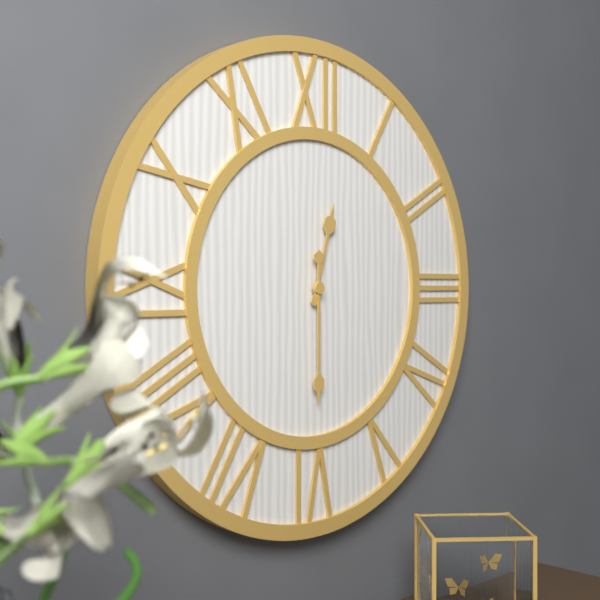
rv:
12h30
